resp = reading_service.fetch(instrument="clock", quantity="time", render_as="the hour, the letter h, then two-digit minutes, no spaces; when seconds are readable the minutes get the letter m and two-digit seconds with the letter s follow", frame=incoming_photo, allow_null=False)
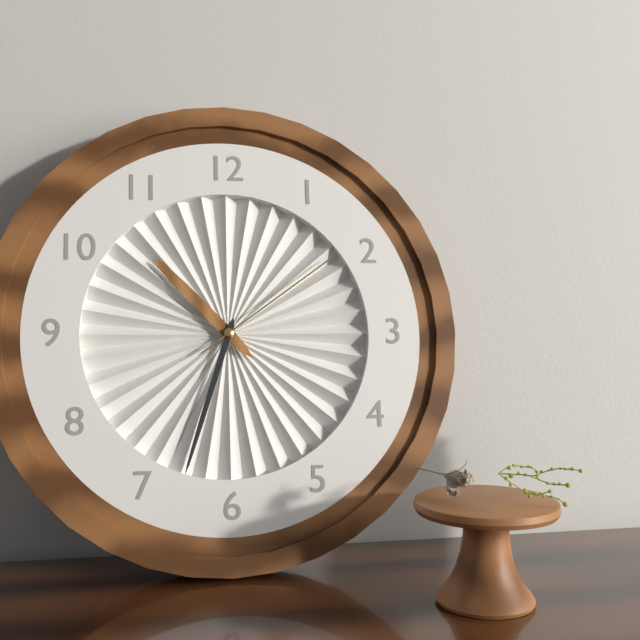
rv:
10h33m09s
